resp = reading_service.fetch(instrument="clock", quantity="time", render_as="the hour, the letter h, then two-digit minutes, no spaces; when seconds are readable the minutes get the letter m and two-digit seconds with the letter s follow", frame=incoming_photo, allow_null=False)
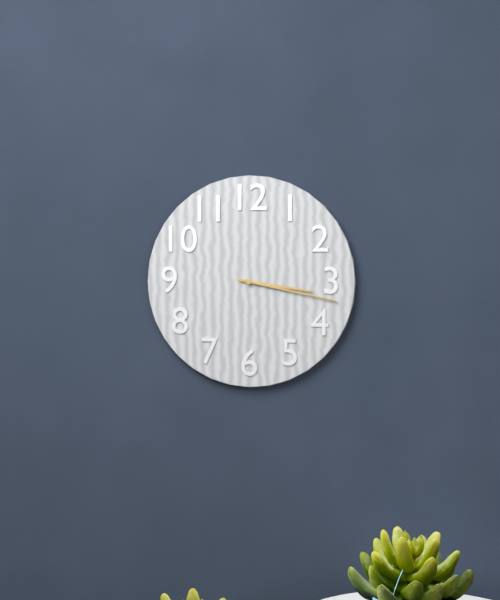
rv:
3h17
